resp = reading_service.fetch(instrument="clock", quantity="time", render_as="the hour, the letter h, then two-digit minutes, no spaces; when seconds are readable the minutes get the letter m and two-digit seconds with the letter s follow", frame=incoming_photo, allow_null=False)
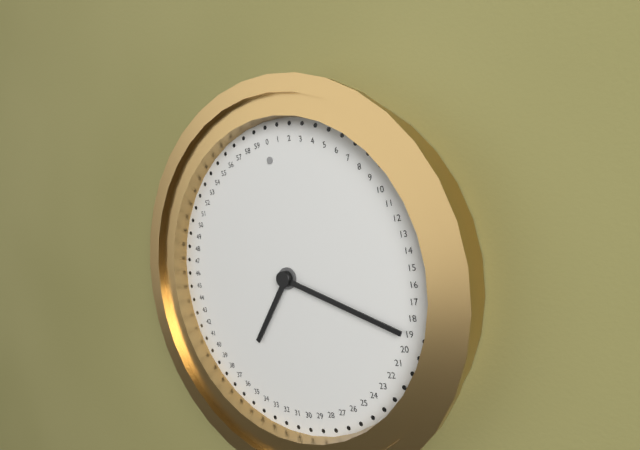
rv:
7h19
